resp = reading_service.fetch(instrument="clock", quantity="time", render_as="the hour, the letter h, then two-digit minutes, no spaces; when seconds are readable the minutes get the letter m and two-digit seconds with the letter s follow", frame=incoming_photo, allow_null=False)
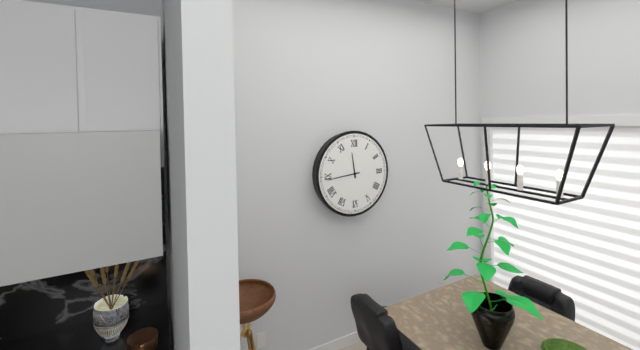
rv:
11h44
